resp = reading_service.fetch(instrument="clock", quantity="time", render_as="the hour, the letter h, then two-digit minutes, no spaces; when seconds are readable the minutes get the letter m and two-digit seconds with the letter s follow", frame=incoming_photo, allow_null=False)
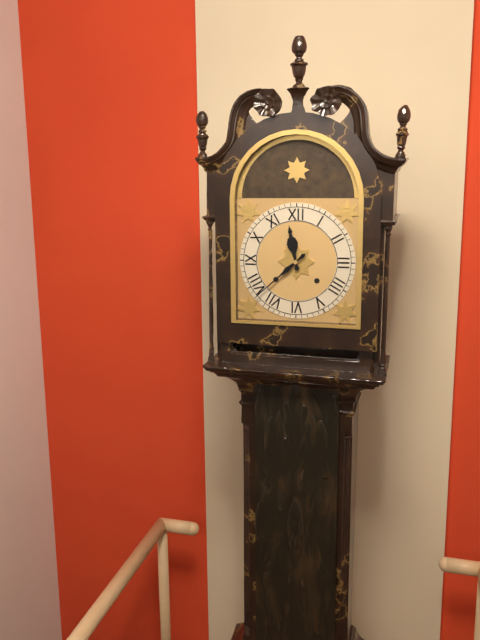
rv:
11h38
